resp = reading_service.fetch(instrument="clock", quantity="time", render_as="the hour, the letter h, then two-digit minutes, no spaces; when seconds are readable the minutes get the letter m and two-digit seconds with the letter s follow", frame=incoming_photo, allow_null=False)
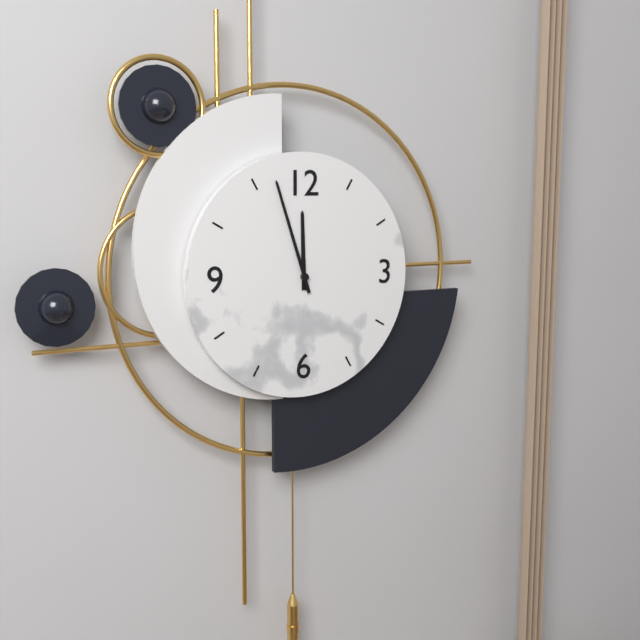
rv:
11h57
